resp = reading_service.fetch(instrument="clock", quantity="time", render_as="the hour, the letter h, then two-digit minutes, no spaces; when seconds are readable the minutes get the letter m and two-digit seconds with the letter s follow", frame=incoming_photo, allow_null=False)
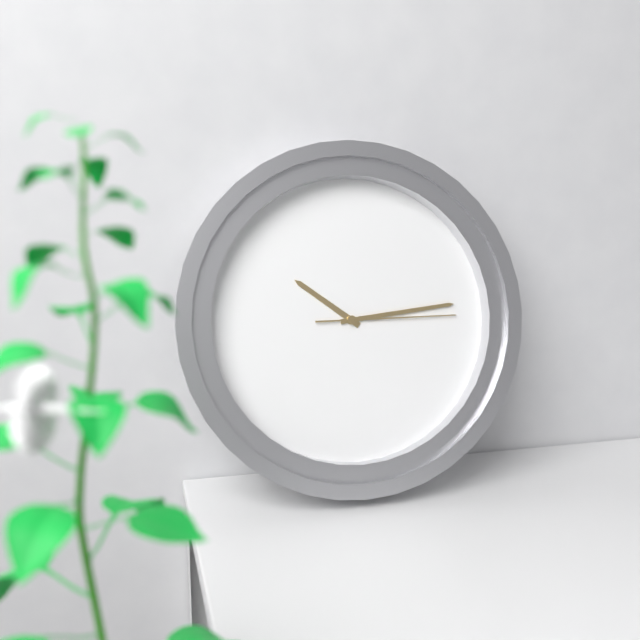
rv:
10h14m15s
